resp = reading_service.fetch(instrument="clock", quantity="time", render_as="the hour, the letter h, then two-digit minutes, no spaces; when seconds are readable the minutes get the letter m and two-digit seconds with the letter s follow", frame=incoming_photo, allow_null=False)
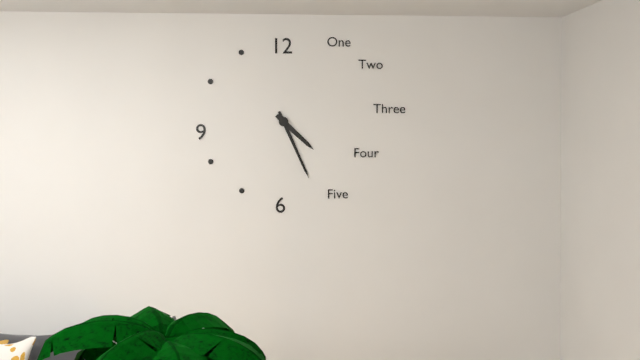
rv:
4h26
